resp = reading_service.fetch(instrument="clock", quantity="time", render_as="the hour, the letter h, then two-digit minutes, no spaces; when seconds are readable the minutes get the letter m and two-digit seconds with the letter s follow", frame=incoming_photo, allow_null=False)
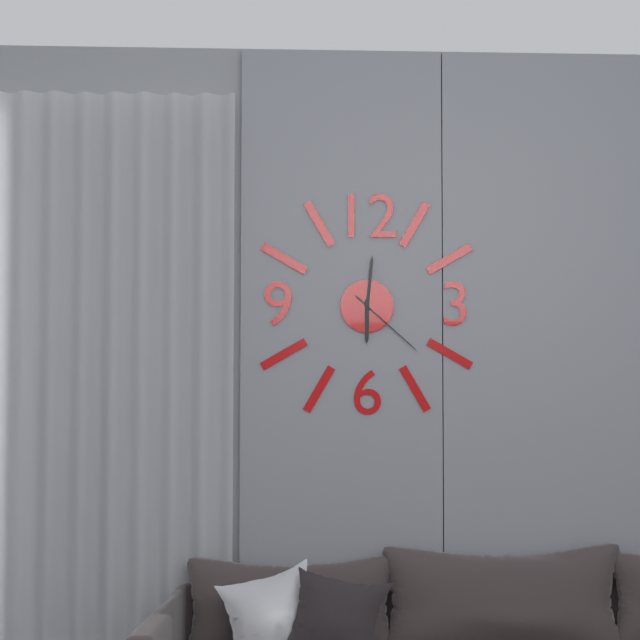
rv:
6h01m22s
